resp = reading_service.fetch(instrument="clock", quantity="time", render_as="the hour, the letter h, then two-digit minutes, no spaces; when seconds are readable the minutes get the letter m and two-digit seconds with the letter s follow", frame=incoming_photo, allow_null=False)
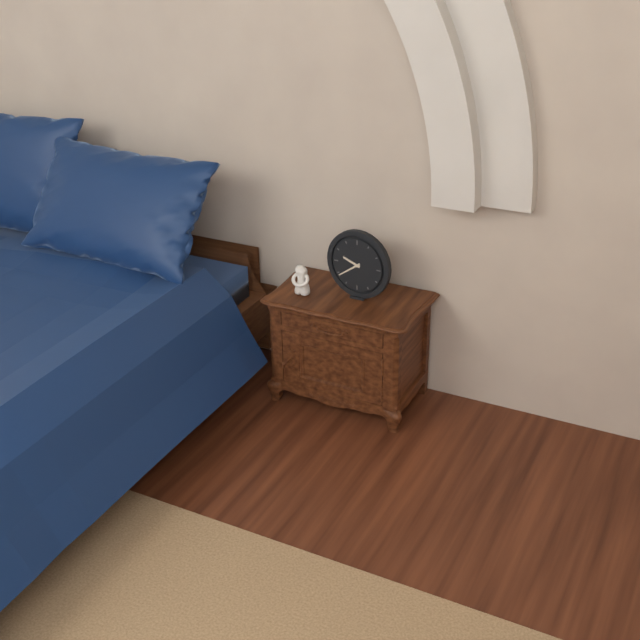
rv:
9h39
